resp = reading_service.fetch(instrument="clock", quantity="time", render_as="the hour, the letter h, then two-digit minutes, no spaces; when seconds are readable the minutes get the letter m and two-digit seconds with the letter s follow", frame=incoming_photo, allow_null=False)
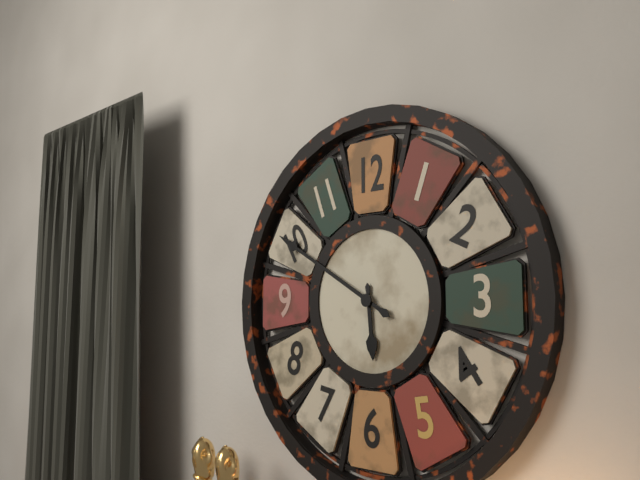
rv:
5h50
